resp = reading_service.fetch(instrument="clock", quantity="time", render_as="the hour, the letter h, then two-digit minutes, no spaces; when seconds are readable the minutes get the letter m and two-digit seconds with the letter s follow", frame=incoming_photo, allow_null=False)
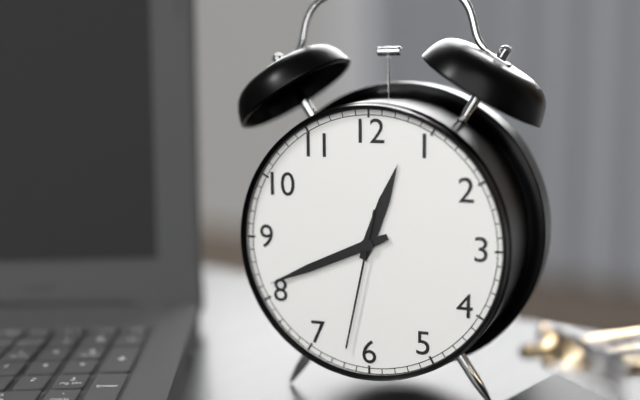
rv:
12h41m32s
